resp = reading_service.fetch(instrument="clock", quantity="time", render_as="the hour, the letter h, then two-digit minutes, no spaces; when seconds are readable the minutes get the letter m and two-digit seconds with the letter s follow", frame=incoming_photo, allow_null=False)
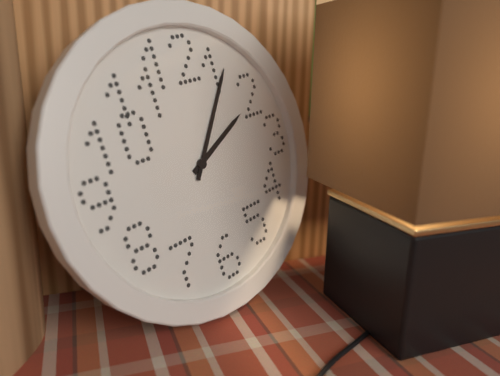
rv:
2h06
